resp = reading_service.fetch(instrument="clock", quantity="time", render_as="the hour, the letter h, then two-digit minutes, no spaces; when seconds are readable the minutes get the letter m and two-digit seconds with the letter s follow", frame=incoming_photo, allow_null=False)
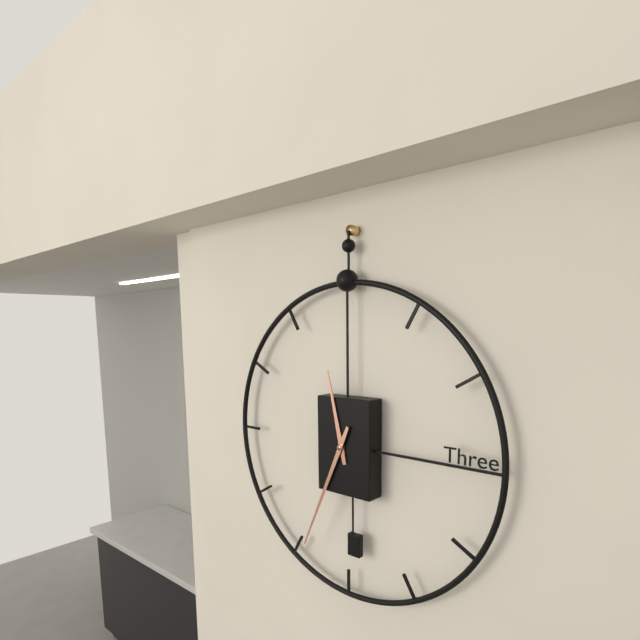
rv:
11h34
